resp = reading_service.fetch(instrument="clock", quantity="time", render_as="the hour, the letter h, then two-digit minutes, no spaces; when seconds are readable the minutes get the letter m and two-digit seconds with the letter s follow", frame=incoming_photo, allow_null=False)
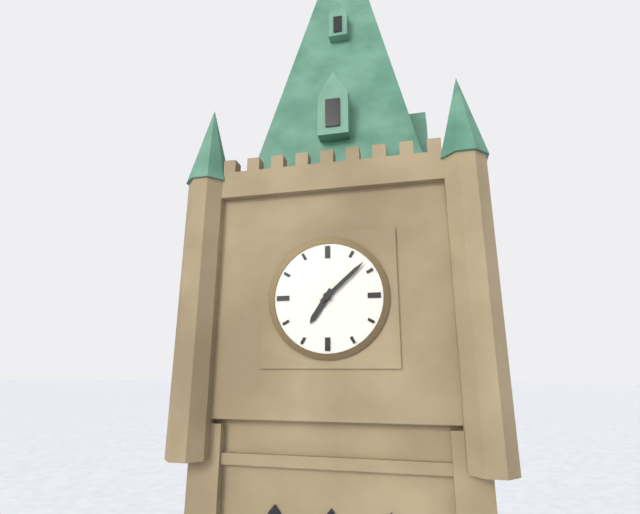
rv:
7h08
